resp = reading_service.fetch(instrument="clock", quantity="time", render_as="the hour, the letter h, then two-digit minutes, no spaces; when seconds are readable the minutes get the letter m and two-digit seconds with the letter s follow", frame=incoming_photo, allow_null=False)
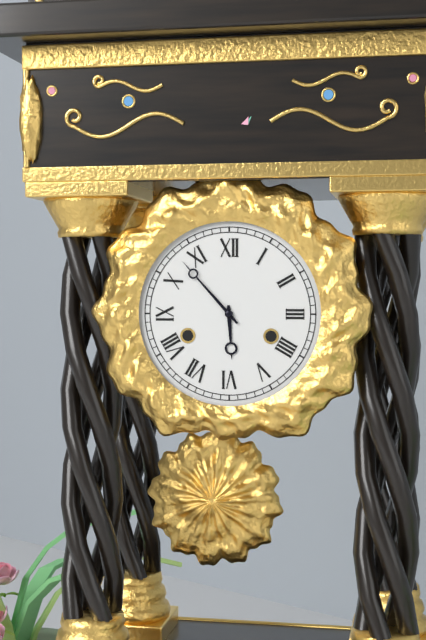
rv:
5h53
